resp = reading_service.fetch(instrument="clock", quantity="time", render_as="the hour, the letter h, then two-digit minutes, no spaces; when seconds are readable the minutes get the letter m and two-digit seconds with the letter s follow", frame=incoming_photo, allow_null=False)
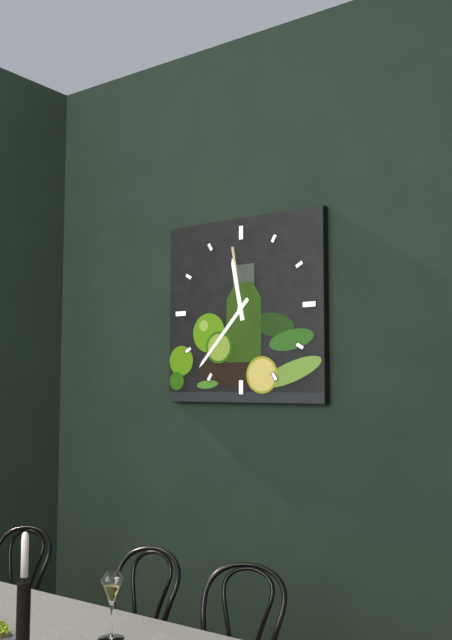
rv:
11h37
